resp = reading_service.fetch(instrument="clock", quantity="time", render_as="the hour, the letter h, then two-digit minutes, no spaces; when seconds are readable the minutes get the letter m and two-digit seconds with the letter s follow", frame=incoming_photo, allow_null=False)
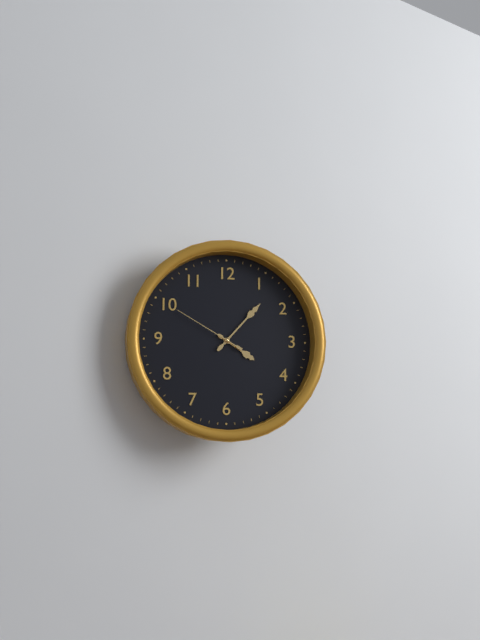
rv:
4h07m50s
